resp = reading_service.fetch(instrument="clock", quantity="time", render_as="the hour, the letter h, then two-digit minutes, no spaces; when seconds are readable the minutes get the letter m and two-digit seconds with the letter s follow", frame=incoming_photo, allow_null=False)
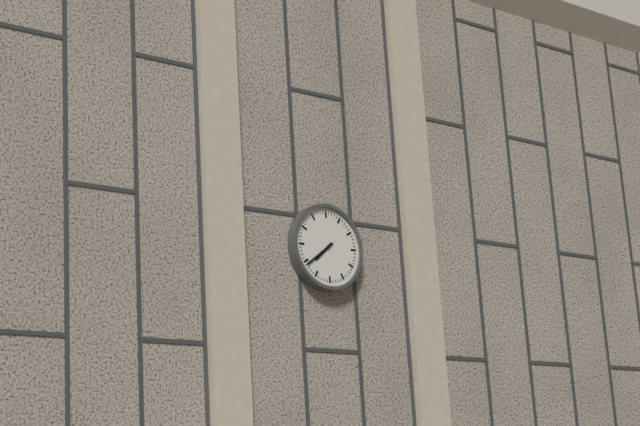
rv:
7h39
